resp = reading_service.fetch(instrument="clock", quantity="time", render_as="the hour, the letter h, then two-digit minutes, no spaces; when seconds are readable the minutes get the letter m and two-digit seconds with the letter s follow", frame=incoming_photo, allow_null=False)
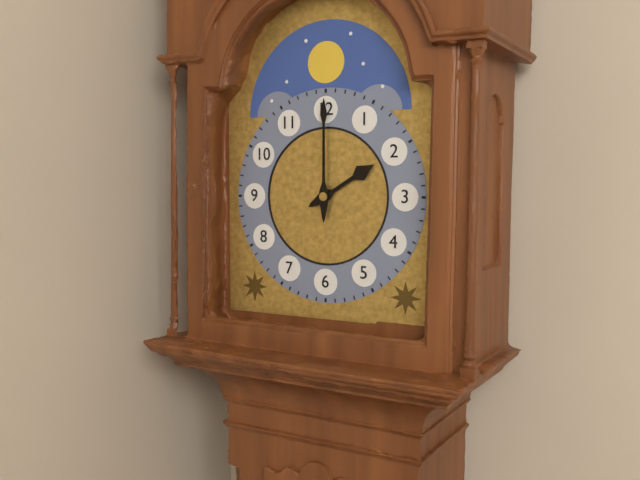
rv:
2h00
